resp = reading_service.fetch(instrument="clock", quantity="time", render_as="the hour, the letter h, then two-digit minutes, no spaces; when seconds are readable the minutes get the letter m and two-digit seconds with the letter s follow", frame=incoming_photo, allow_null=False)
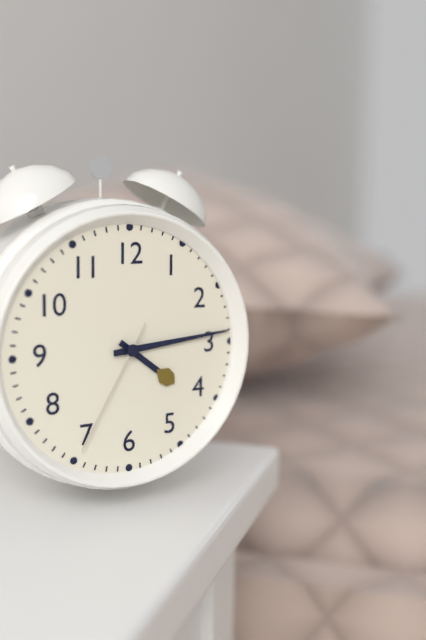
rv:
4h14m35s
